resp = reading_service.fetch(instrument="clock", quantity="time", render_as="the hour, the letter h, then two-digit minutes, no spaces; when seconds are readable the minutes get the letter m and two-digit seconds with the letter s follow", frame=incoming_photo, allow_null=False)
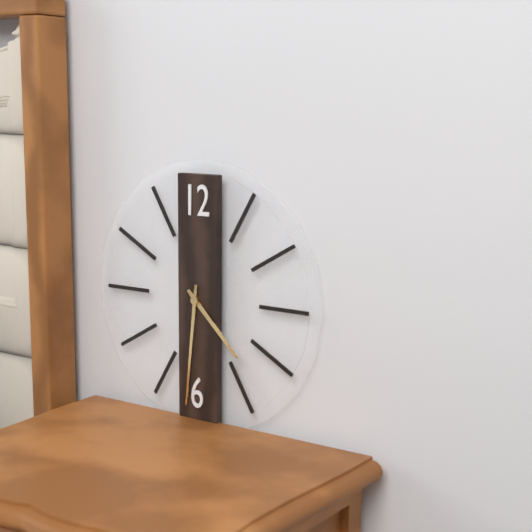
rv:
4h31
